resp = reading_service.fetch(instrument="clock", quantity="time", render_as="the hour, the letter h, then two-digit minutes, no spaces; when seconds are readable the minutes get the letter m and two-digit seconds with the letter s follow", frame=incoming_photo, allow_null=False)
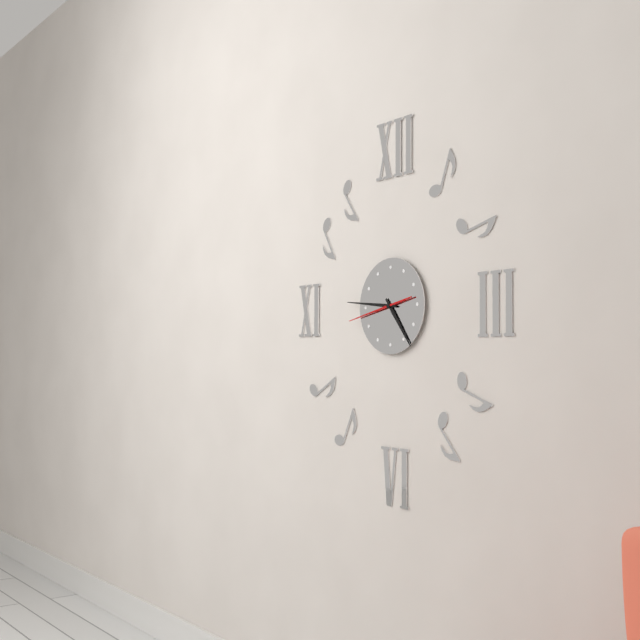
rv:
4h46m43s
